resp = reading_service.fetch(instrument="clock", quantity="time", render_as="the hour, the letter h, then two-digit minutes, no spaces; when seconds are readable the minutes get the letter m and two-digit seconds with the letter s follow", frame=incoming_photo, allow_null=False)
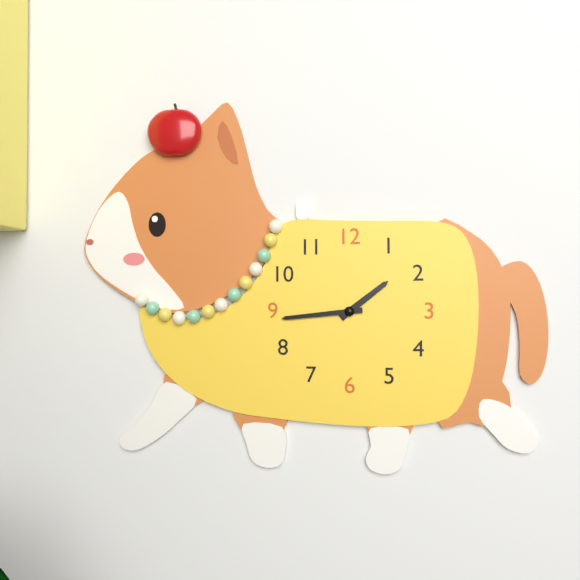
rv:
1h44
